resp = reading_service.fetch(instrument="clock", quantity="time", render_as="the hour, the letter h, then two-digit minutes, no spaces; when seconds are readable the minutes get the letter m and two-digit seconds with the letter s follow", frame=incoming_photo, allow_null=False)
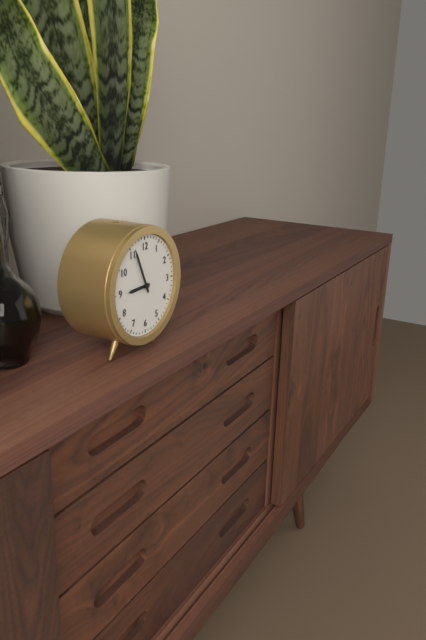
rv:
8h56
